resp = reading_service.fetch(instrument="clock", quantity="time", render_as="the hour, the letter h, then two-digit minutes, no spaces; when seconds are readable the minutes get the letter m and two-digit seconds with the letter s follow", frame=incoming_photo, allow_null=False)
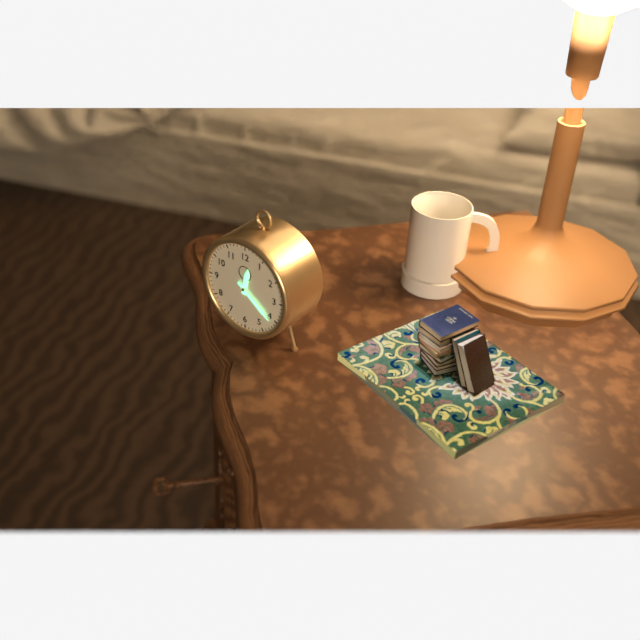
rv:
12h21
